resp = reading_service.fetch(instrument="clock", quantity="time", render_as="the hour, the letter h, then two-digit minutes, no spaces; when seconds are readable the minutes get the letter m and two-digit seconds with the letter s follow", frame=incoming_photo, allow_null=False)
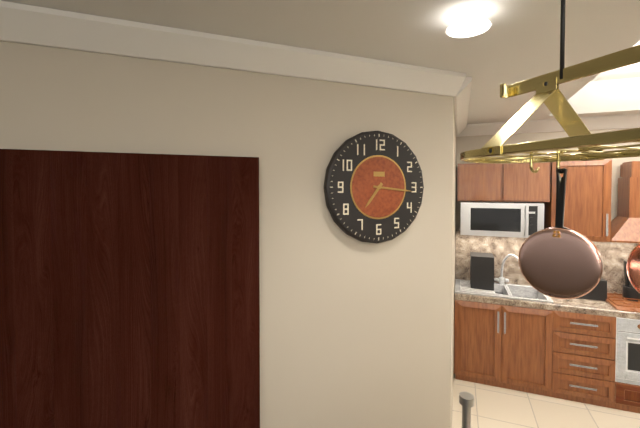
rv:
7h16
